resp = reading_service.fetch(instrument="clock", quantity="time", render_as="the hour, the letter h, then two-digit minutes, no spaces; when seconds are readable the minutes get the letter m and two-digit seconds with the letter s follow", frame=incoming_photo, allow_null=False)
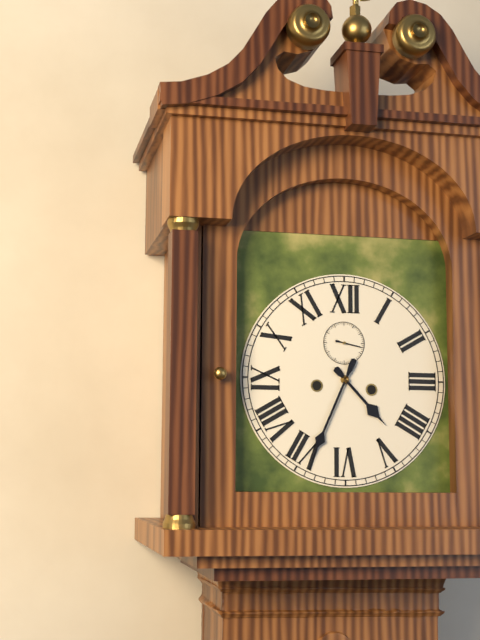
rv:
4h34
